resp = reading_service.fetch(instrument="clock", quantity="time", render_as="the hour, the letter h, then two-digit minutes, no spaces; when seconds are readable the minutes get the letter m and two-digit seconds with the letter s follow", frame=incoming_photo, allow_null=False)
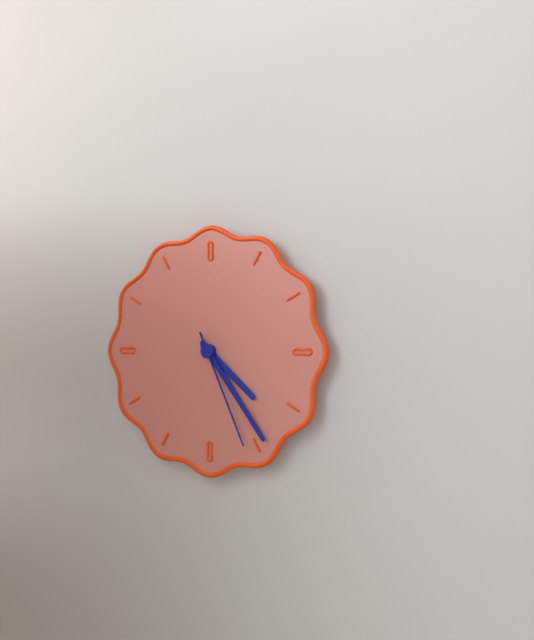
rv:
4h24m26s
